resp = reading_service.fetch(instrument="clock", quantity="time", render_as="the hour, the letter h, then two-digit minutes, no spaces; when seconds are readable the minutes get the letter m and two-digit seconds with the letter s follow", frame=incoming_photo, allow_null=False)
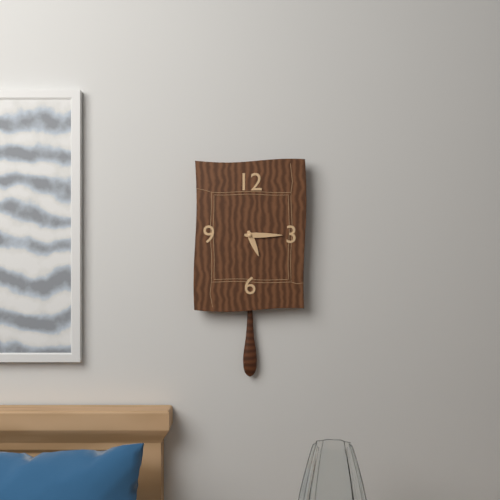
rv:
5h15
